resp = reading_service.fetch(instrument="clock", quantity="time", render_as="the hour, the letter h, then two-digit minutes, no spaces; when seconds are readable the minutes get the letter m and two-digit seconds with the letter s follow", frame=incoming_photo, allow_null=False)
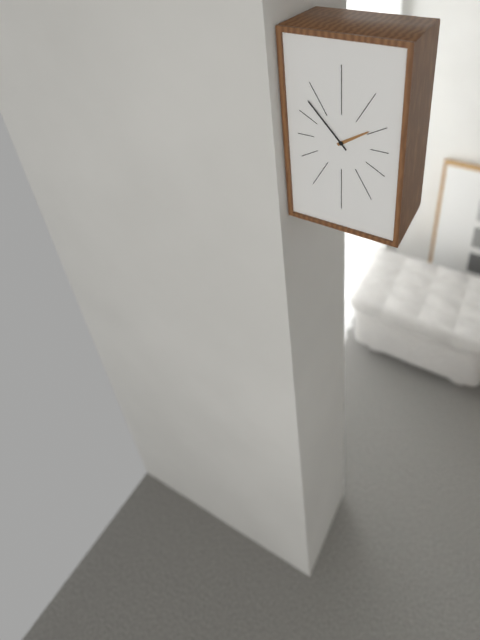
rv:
1h53
